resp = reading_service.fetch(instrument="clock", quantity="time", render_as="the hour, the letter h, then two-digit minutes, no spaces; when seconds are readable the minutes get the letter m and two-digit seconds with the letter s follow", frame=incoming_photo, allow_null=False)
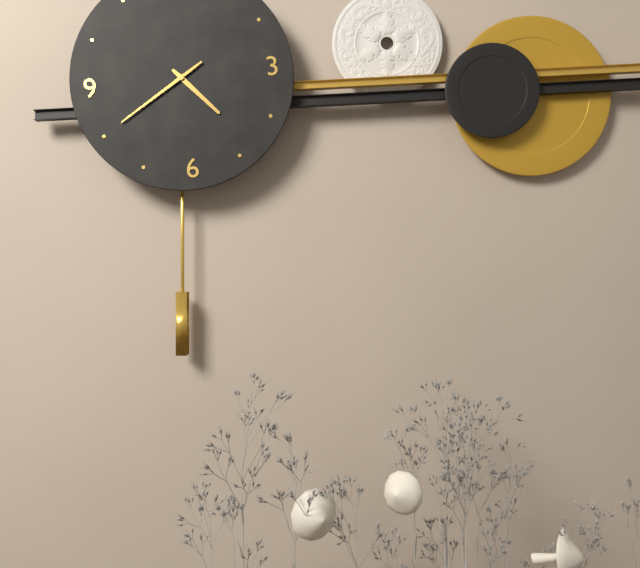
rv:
4h40
